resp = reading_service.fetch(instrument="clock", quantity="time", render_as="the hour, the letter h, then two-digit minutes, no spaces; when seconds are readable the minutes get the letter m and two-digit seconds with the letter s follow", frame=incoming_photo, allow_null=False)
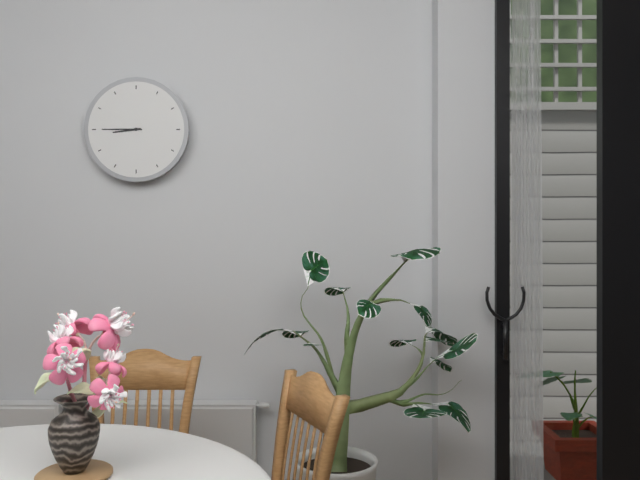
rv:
8h45
